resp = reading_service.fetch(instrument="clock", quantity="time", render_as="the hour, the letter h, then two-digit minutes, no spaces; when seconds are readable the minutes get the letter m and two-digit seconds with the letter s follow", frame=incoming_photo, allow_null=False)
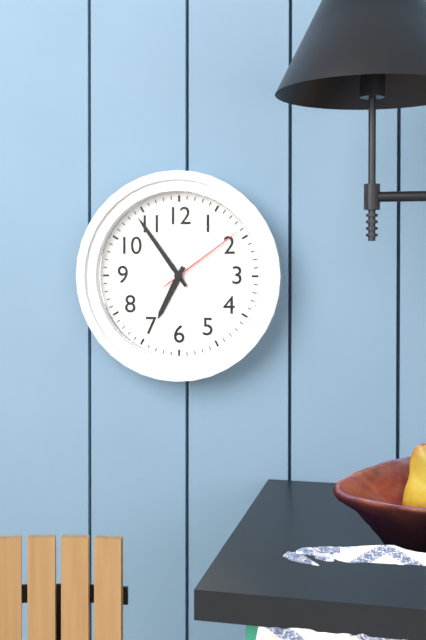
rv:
6h54m09s
